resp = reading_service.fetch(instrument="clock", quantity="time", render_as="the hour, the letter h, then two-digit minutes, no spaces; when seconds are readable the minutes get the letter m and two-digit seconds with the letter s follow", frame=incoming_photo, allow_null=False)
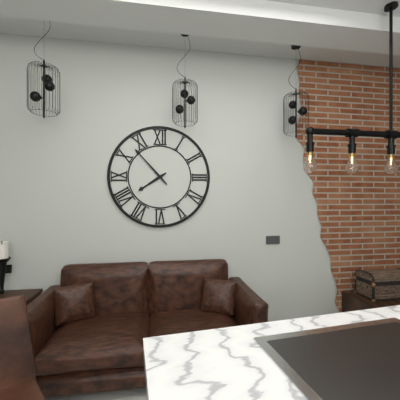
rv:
7h53
